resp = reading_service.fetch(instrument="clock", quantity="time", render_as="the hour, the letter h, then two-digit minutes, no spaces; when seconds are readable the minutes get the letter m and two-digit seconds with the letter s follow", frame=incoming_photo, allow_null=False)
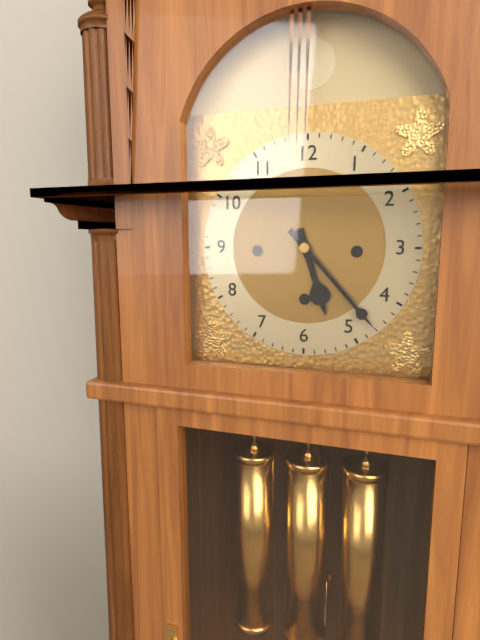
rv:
5h23
